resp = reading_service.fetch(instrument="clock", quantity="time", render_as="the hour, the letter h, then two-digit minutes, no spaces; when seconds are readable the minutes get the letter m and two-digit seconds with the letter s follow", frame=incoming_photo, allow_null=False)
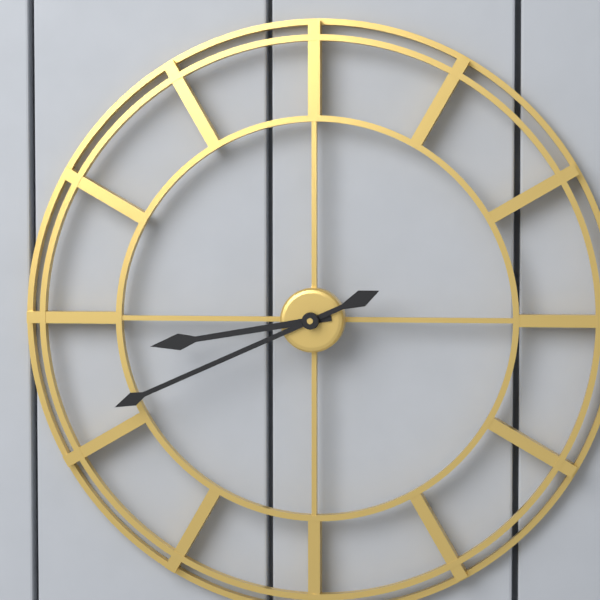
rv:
8h41
